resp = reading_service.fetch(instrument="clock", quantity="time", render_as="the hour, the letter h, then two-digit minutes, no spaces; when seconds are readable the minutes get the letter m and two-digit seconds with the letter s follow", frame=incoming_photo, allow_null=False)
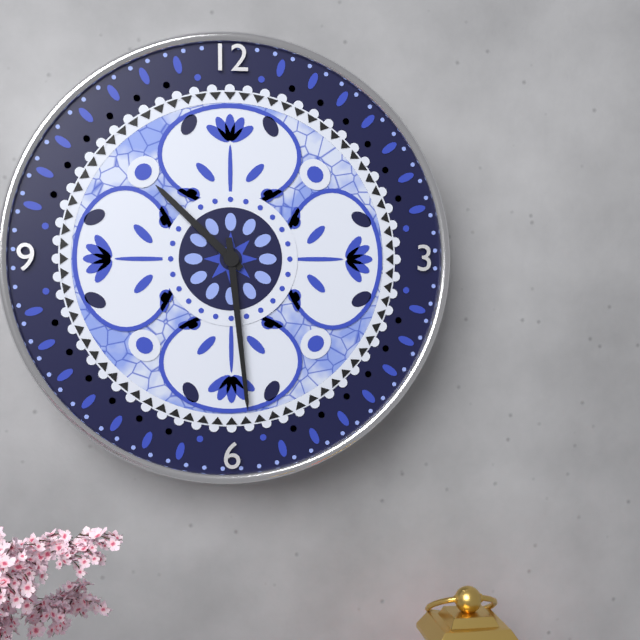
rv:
10h29
